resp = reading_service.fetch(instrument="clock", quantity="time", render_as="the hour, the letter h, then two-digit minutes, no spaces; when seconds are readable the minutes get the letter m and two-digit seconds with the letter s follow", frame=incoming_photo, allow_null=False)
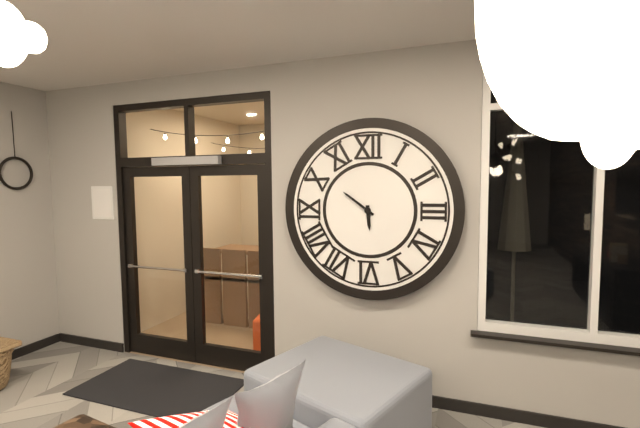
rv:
5h51
